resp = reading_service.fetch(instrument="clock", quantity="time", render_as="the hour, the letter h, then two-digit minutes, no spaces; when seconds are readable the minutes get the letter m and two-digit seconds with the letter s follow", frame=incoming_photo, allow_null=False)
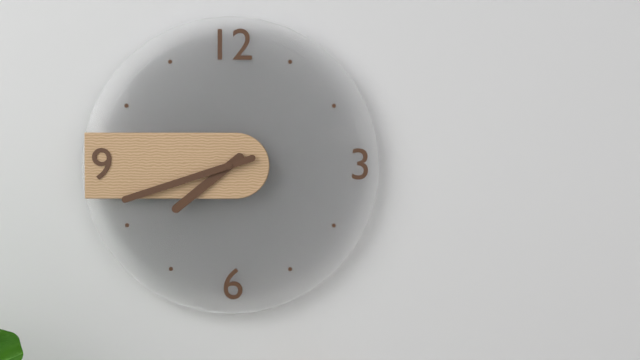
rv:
7h42
